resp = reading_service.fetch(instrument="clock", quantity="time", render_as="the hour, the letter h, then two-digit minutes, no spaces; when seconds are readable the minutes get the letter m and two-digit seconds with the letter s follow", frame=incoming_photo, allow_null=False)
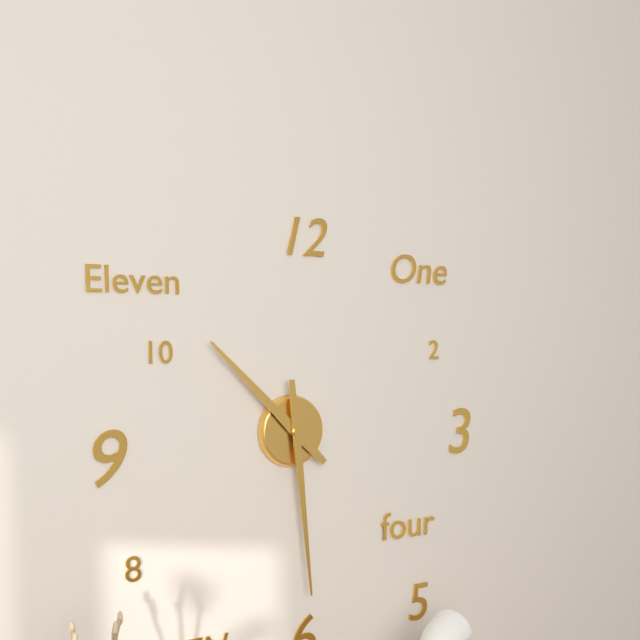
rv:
10h29
